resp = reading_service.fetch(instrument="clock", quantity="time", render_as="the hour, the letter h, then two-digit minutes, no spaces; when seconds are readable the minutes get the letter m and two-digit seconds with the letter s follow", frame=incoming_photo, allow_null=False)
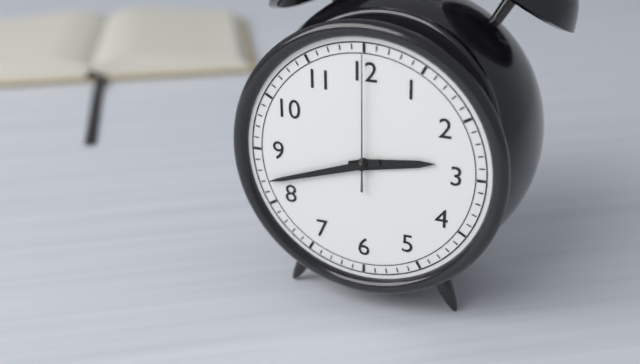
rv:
2h42m00s
